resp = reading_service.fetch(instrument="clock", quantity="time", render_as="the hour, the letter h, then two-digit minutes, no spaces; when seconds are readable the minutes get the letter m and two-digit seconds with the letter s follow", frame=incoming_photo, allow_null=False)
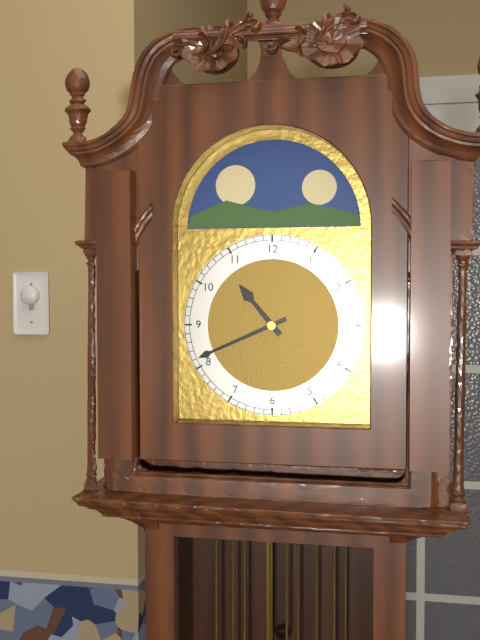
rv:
10h41
